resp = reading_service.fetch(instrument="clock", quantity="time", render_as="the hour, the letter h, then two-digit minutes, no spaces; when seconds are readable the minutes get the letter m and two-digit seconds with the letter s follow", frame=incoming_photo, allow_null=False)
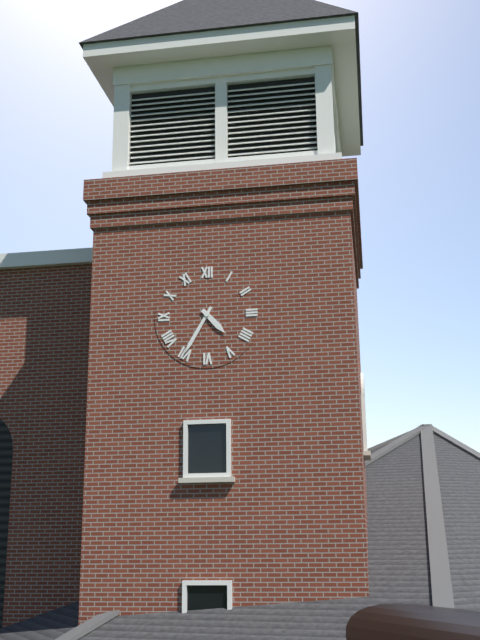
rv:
4h35
